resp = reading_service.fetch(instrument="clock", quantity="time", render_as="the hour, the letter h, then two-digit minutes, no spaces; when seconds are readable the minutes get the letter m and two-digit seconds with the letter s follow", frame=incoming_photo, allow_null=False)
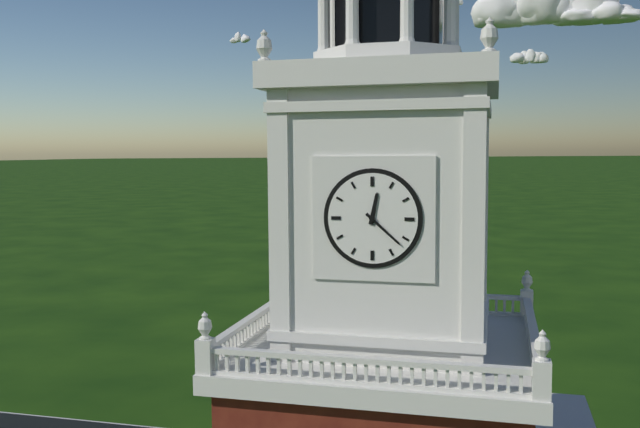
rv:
12h22
